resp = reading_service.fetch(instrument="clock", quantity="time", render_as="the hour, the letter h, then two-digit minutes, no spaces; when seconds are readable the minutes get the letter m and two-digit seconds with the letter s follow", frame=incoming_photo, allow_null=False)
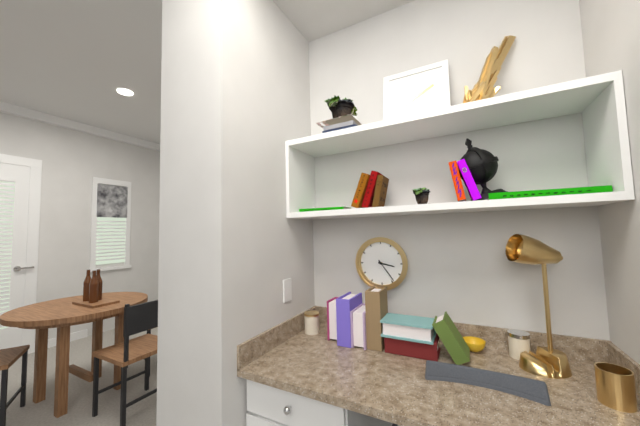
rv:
3h24
